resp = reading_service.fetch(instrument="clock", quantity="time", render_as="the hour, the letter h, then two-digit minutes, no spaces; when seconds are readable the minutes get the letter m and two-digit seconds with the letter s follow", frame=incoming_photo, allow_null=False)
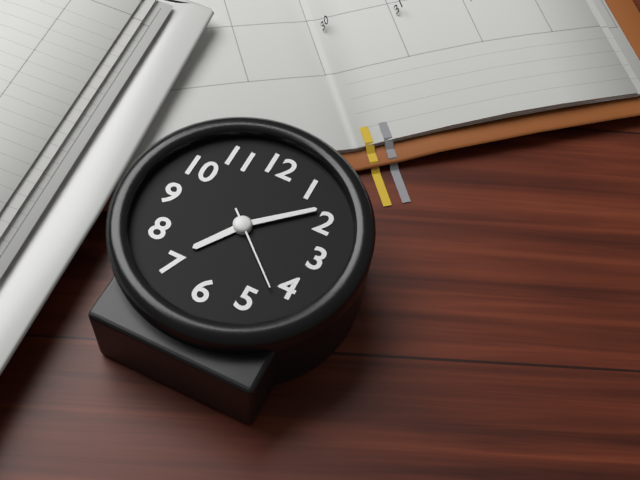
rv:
7h08m22s
